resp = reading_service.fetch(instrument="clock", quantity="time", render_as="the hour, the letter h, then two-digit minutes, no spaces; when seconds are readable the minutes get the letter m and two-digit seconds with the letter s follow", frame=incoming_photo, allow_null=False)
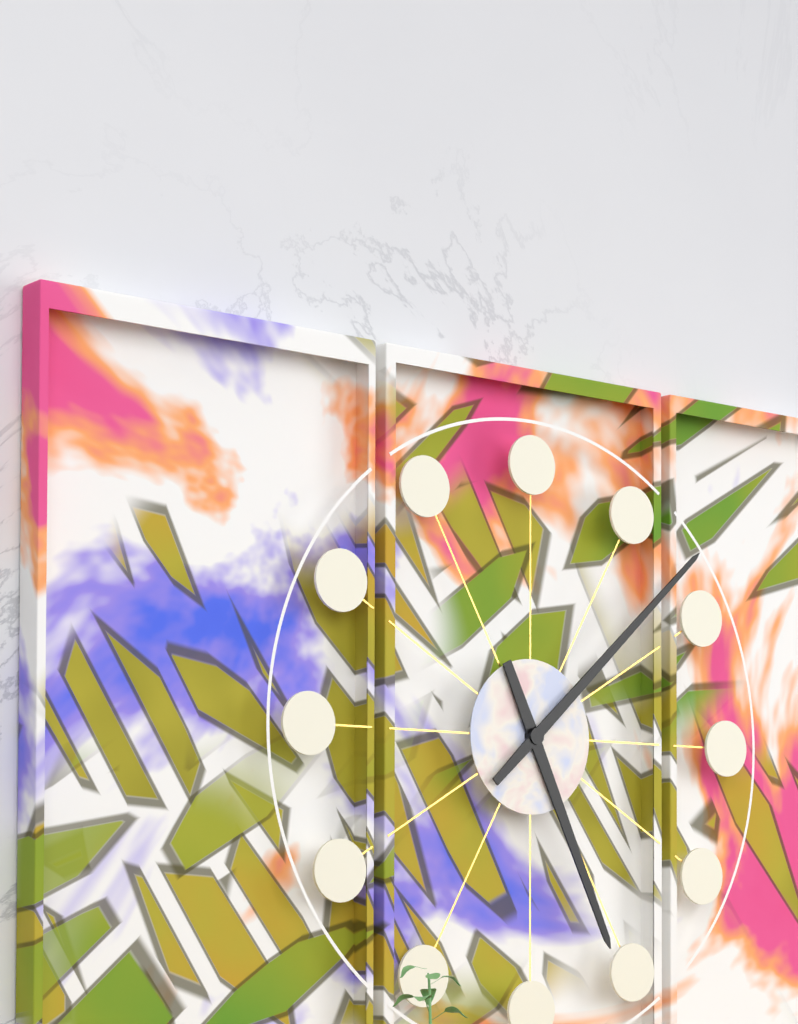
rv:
5h08
